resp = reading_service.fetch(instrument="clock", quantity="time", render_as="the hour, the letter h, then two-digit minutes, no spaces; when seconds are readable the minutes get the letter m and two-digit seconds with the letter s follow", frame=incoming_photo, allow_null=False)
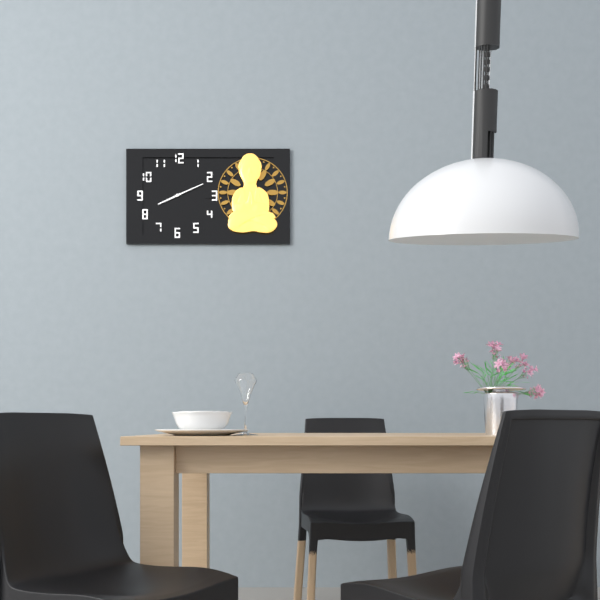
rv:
8h11
